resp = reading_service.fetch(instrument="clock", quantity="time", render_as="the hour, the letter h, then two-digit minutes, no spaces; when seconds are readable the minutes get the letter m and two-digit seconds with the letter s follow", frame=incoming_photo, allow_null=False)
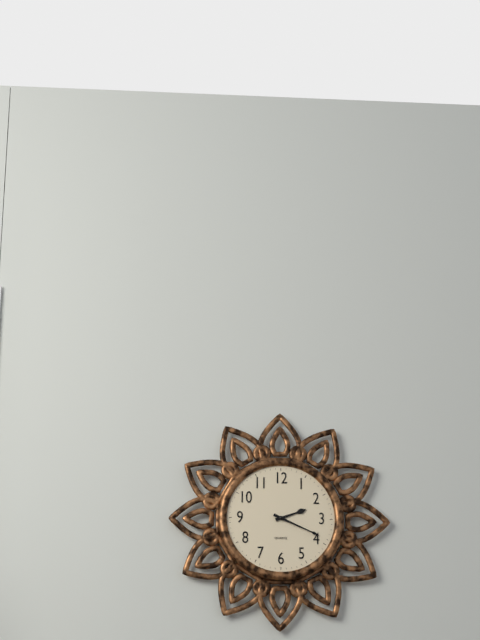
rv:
2h19
